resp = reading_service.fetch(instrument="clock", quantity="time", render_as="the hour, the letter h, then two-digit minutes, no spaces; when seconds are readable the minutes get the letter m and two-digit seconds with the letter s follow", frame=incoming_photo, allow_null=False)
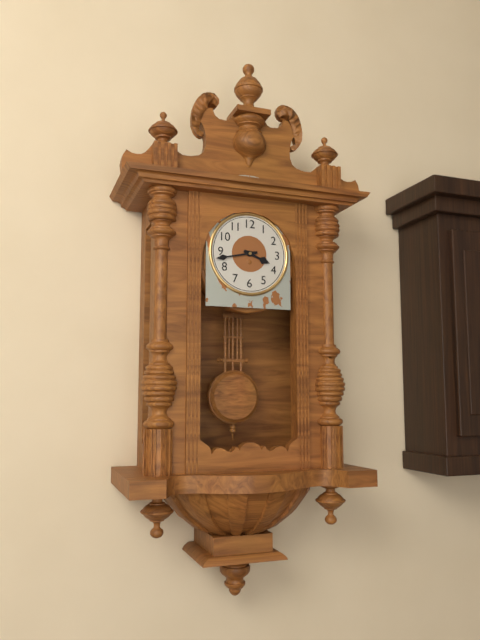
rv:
3h43
